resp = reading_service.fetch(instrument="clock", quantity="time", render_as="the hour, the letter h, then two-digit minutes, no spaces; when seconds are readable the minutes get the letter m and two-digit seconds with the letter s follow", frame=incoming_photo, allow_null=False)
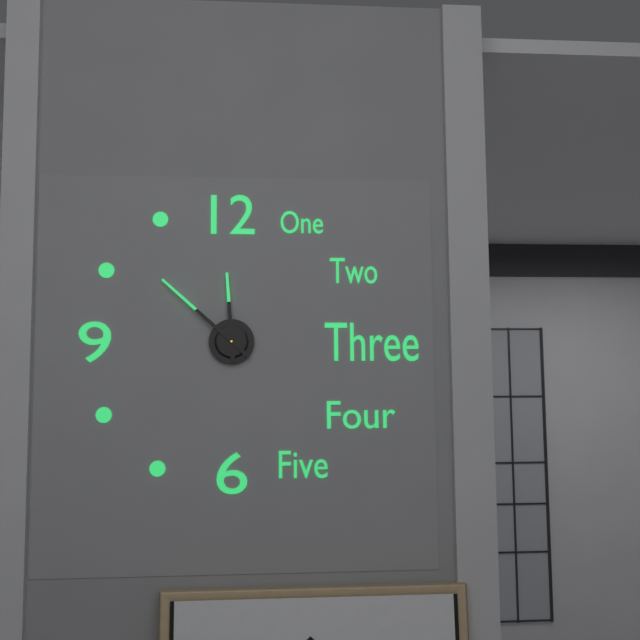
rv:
11h52
